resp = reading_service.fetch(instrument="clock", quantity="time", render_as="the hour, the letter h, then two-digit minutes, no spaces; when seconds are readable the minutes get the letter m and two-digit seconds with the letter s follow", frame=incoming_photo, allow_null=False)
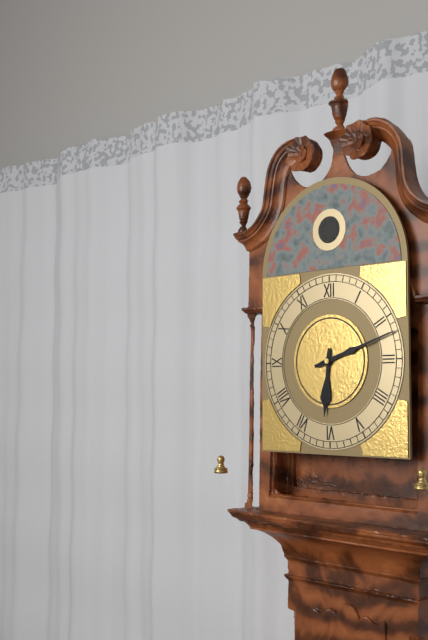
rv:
6h12
